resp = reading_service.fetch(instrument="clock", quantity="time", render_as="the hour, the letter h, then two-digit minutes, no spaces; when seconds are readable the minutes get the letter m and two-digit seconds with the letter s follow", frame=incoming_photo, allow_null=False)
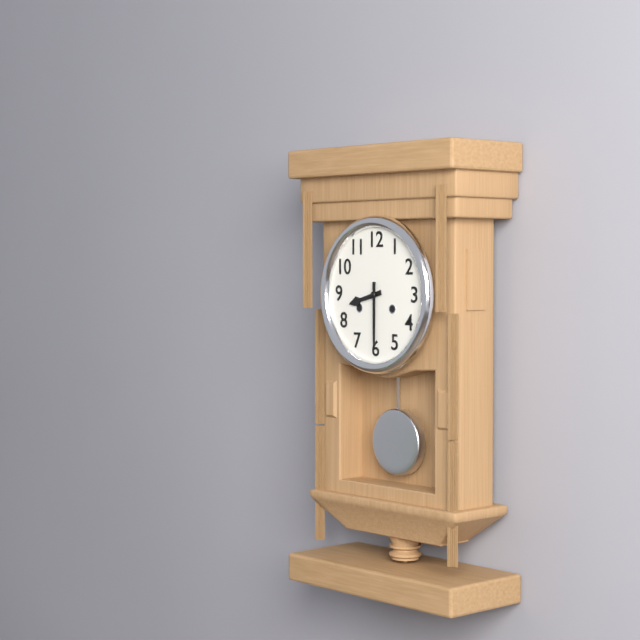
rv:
8h30
